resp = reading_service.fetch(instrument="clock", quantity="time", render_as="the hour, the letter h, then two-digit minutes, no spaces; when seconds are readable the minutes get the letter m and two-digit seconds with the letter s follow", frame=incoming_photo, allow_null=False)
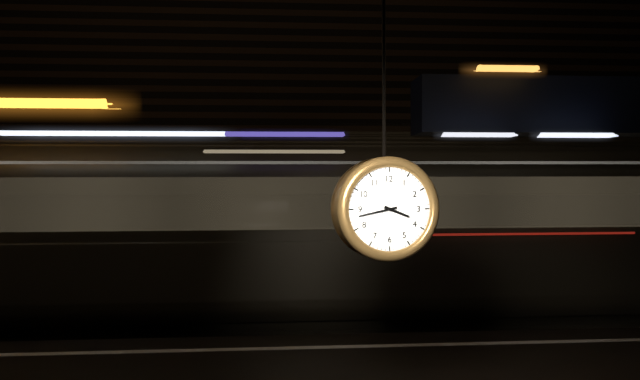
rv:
3h43
